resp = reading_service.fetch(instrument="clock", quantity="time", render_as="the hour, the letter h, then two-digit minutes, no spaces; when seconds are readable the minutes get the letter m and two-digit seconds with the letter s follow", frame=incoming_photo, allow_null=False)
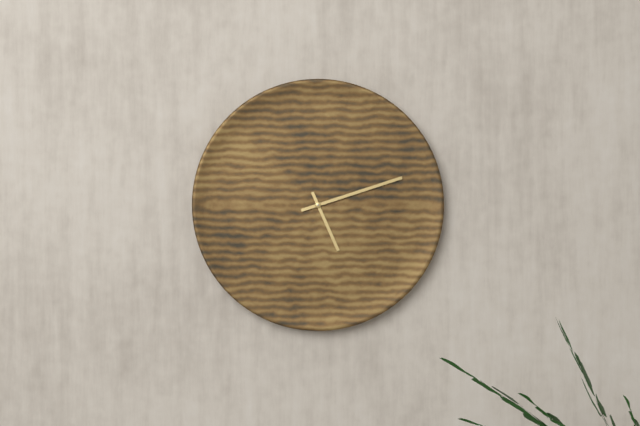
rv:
5h12
